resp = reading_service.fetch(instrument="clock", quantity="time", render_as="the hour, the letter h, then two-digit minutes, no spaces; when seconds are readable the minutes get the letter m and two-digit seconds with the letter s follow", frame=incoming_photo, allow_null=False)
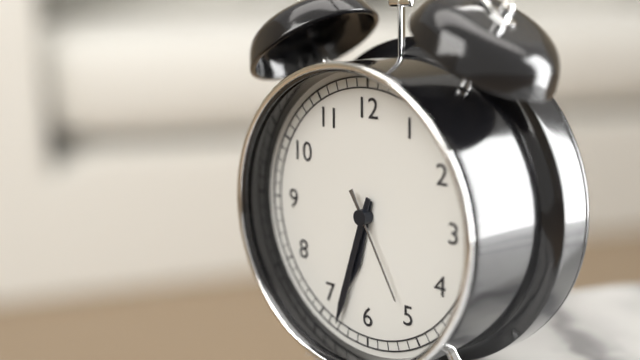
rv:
6h33m25s
